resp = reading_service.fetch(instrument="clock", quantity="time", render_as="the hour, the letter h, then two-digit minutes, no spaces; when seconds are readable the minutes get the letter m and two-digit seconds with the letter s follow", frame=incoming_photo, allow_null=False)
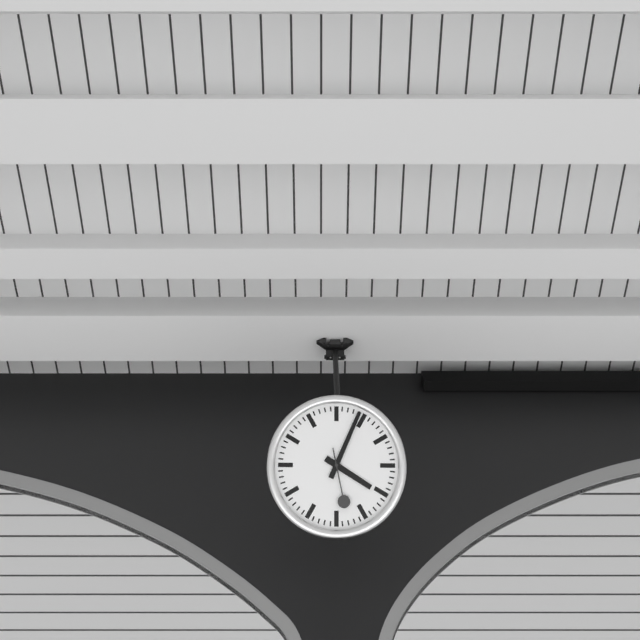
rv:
4h04m28s
